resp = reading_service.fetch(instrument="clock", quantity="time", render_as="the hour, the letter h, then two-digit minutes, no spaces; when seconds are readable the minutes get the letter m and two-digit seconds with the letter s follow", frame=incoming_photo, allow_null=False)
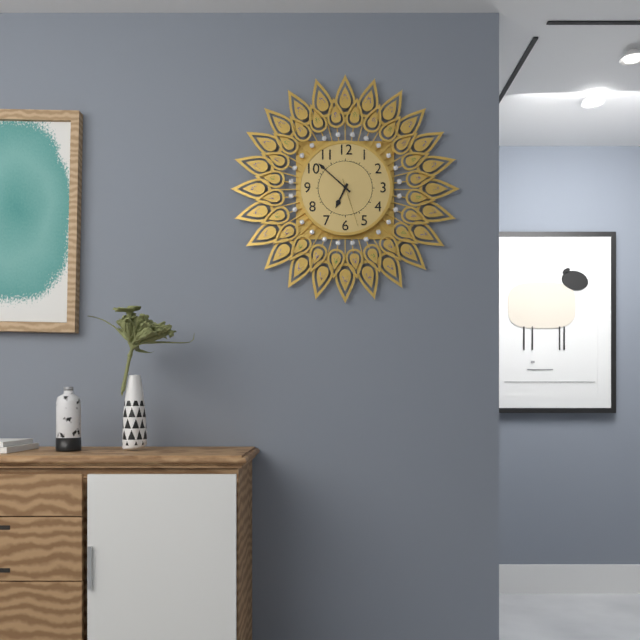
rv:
6h52m27s
